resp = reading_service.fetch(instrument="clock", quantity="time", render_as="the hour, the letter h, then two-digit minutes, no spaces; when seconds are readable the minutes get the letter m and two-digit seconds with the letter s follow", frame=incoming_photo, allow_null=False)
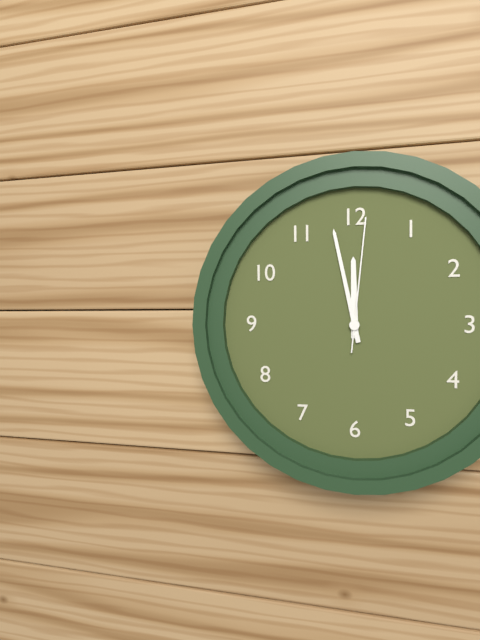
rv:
11h58m01s
